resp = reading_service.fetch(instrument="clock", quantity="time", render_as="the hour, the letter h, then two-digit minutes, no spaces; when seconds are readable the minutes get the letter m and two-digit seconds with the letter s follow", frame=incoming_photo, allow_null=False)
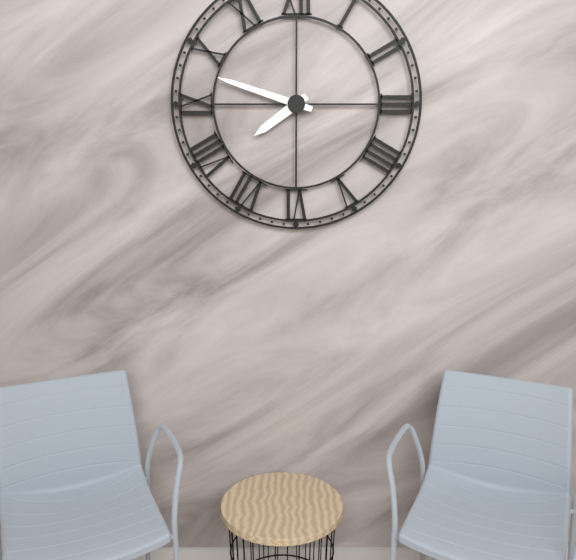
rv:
7h48
